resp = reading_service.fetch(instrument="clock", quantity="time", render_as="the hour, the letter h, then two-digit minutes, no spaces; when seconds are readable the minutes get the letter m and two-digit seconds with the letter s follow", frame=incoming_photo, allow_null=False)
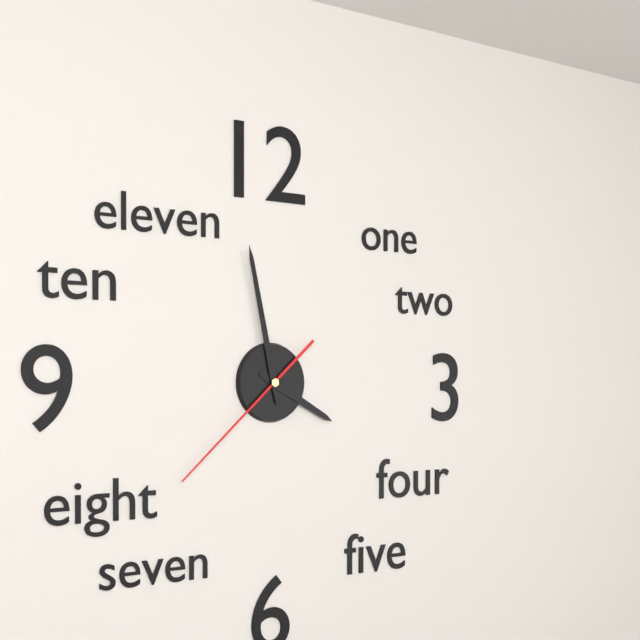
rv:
3h58m38s
